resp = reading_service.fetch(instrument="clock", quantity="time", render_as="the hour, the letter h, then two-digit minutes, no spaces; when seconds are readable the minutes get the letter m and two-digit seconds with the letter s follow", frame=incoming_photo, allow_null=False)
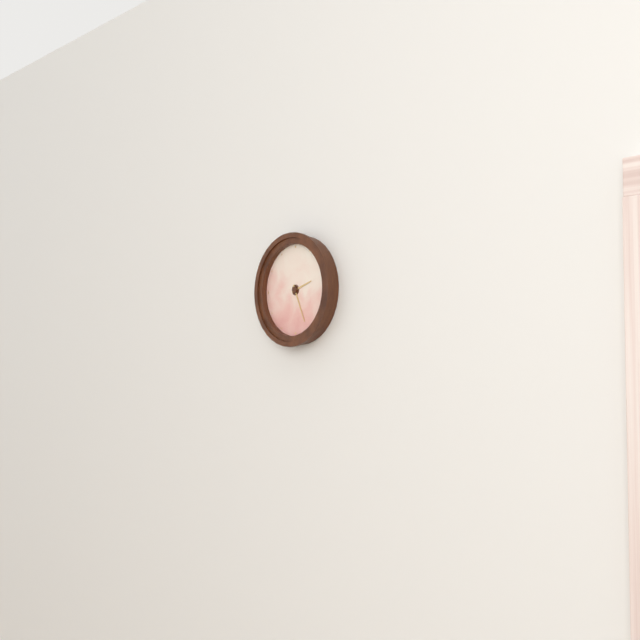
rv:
2h26
